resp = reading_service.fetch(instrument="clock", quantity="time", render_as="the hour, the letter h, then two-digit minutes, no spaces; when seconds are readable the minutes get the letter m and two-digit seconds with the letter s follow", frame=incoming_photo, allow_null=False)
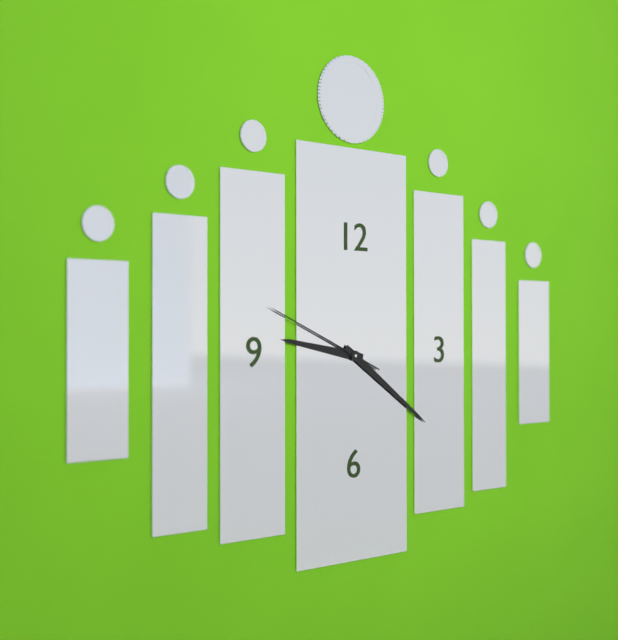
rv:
9h21m49s
